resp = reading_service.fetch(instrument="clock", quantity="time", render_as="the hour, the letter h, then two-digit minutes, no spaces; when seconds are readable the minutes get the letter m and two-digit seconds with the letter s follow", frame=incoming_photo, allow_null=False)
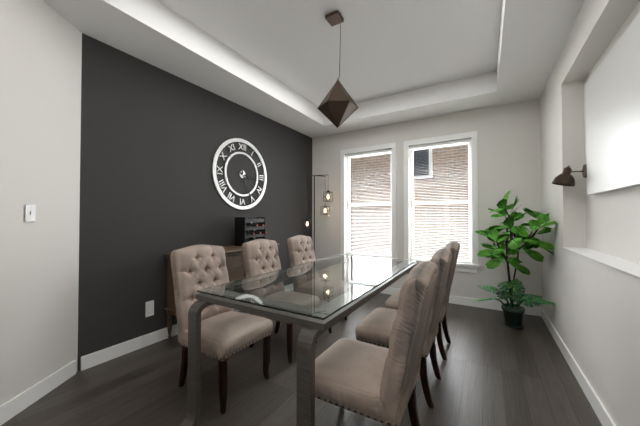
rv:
3h26
